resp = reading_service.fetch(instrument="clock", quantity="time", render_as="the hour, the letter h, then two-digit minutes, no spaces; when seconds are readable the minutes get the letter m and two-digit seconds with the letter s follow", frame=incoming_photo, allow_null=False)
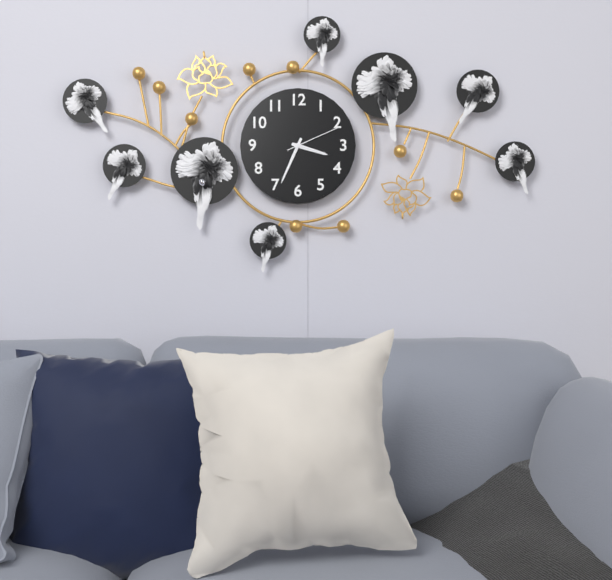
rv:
3h34m11s
